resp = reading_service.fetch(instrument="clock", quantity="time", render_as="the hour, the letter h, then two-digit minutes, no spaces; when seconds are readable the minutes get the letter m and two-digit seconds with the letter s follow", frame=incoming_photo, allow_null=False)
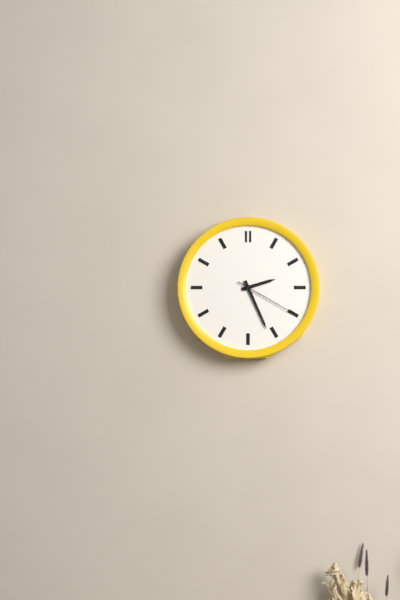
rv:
2h26m20s
